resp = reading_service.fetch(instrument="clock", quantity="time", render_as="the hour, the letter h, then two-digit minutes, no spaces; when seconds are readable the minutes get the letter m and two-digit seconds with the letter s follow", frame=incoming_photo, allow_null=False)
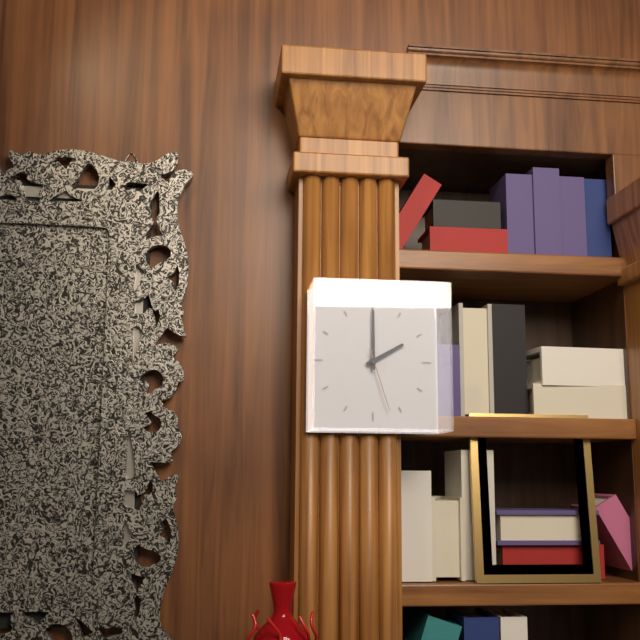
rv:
2h00m27s
